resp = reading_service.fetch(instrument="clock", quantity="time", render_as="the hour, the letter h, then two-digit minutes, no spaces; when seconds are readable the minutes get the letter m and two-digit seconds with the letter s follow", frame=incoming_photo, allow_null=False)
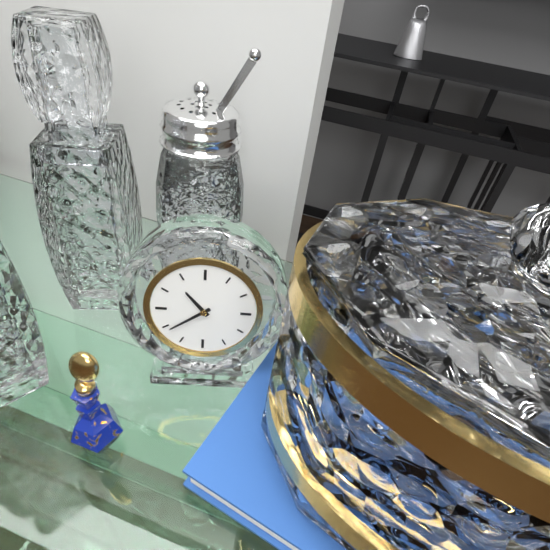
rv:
10h39
